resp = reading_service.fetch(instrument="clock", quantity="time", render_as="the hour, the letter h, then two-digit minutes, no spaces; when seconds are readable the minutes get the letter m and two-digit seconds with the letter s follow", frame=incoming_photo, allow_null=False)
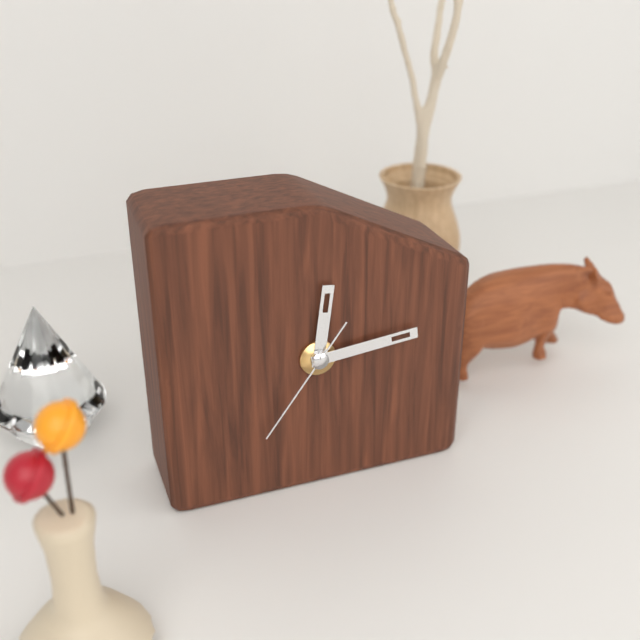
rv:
12h14m36s
